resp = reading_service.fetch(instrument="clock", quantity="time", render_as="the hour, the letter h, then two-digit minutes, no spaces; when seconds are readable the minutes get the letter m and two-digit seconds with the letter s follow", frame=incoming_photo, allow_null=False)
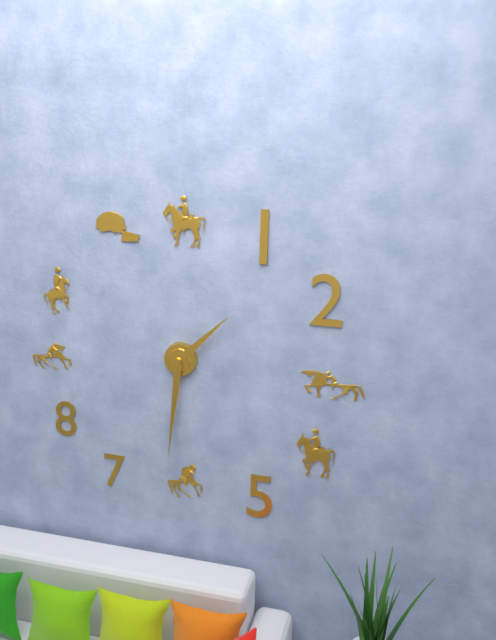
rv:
1h31
